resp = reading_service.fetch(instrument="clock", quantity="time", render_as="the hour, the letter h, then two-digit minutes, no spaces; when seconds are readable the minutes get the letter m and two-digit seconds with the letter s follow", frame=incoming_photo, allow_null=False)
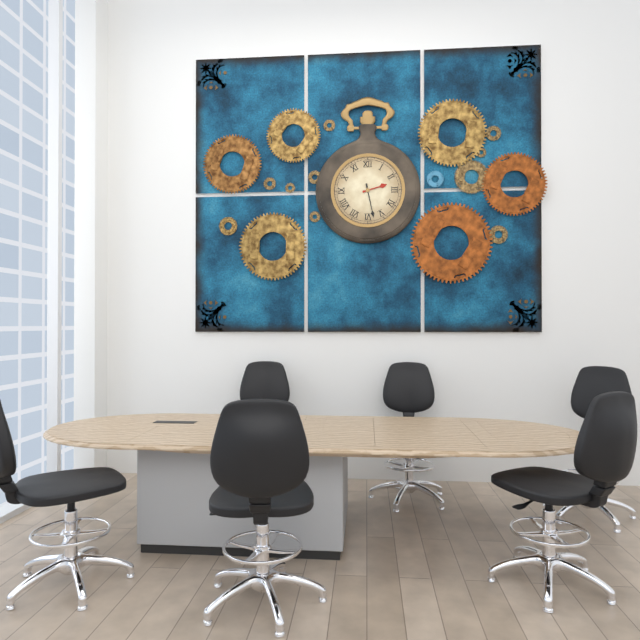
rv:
2h28
